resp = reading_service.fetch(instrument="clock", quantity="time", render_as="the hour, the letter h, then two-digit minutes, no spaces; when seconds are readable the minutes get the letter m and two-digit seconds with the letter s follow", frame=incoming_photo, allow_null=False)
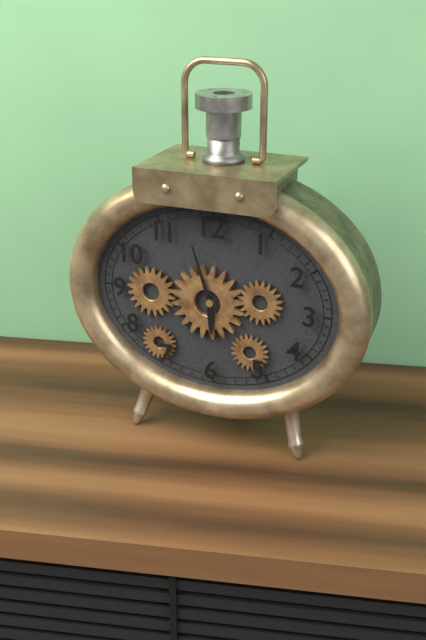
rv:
5h57
